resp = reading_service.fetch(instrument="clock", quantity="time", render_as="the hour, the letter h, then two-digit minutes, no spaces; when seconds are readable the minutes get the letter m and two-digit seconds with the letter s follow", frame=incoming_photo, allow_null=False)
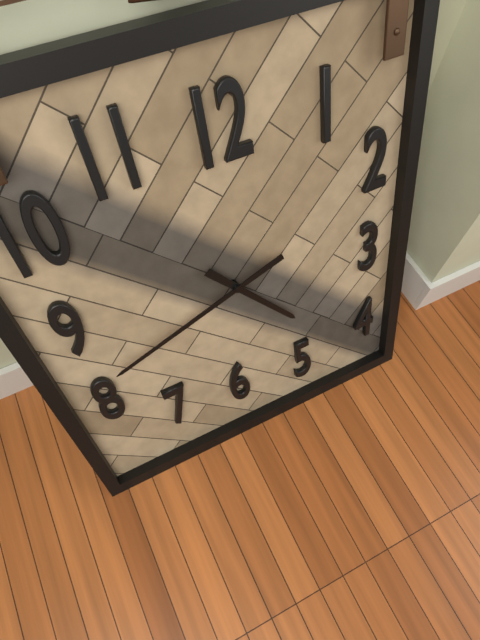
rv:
4h42
